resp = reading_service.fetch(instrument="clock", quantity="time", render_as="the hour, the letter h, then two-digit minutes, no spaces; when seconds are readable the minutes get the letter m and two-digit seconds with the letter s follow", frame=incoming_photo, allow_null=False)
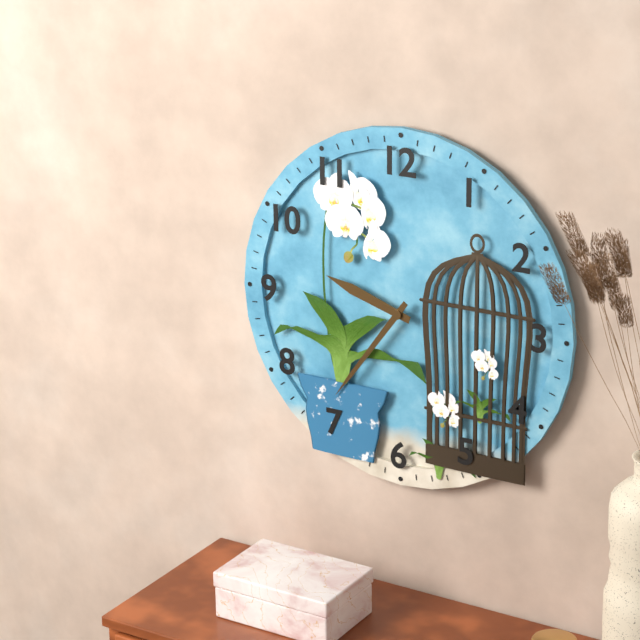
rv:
9h36
